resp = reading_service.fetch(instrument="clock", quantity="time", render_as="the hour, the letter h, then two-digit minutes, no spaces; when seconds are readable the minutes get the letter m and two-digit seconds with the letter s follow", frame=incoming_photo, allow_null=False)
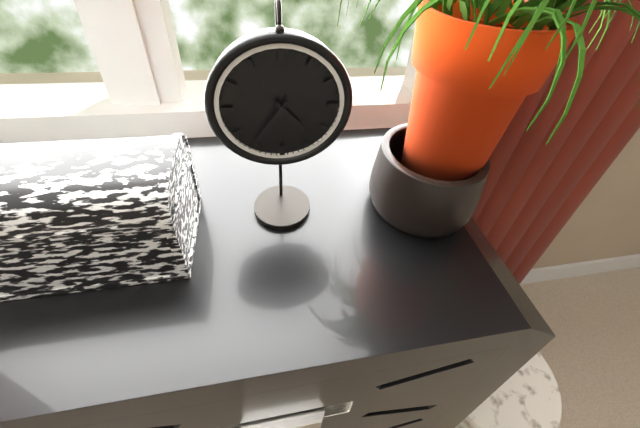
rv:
4h36
